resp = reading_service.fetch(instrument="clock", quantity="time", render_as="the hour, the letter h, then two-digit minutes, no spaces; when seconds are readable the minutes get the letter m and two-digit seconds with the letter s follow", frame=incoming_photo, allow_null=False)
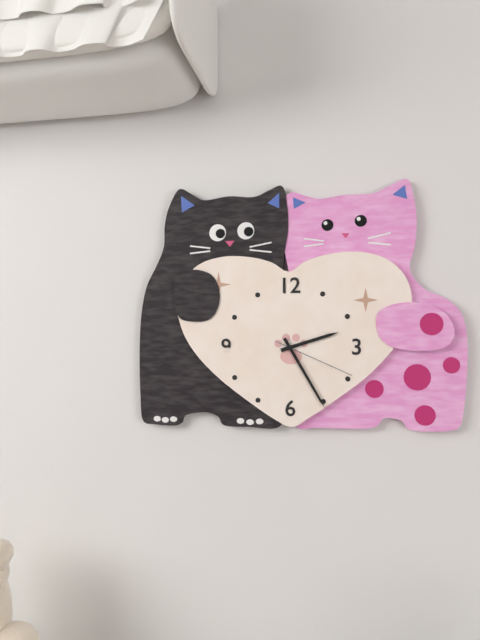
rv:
2h25m19s
